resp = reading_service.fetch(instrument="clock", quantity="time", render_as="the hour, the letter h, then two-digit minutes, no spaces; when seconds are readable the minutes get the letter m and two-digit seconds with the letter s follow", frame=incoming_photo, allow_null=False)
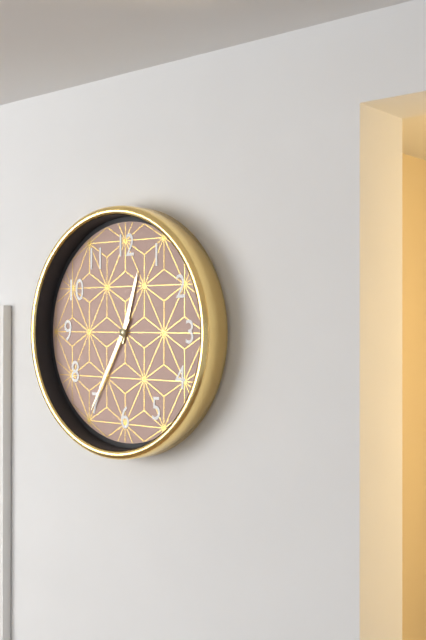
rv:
12h35
